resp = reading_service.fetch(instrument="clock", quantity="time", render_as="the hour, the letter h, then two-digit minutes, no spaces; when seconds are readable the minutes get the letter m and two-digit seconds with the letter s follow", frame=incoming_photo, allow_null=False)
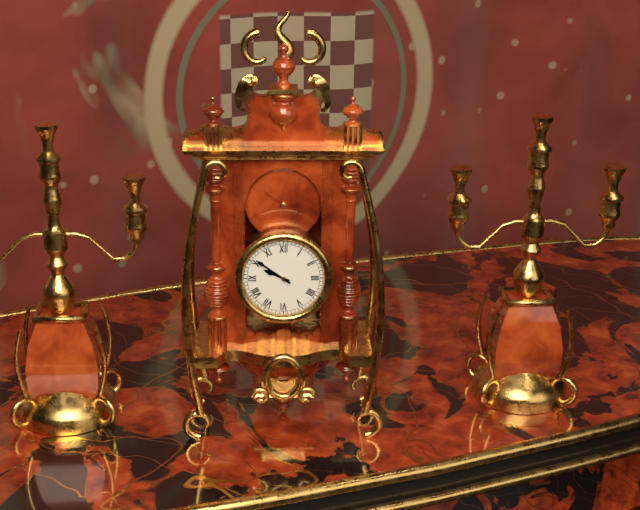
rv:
9h51
